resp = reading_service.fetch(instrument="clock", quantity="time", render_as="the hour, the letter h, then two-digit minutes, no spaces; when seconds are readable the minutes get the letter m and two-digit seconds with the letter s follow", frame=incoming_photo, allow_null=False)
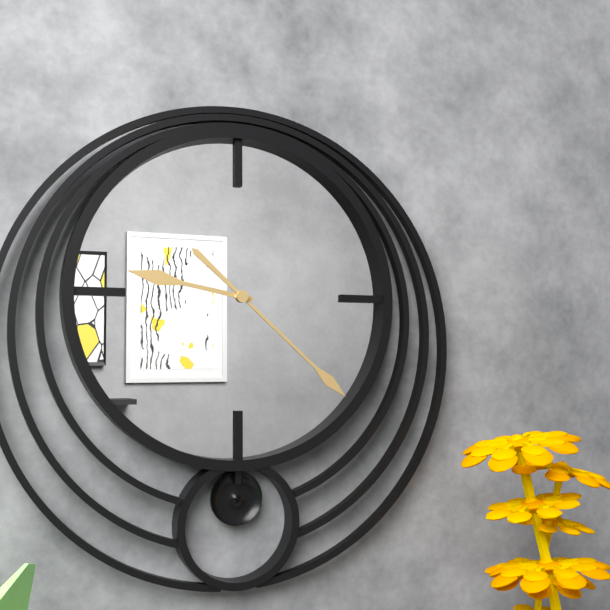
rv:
9h22
